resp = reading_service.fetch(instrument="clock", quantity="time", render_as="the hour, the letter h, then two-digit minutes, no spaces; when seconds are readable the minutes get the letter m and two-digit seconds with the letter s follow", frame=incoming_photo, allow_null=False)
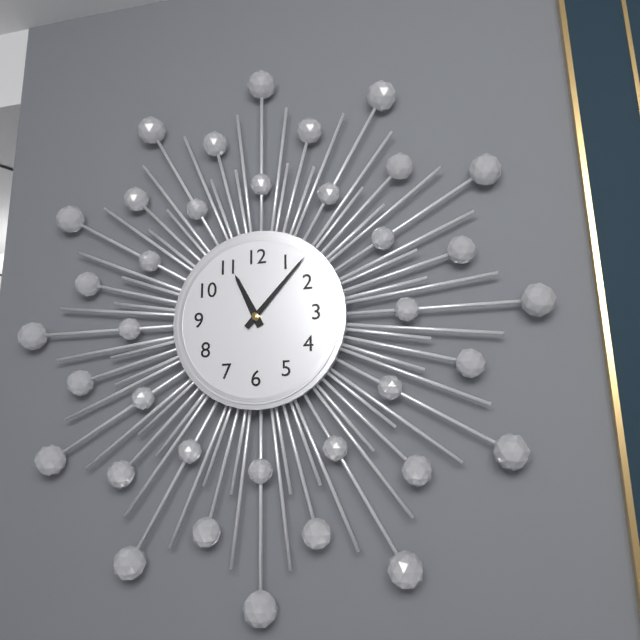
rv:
11h07
